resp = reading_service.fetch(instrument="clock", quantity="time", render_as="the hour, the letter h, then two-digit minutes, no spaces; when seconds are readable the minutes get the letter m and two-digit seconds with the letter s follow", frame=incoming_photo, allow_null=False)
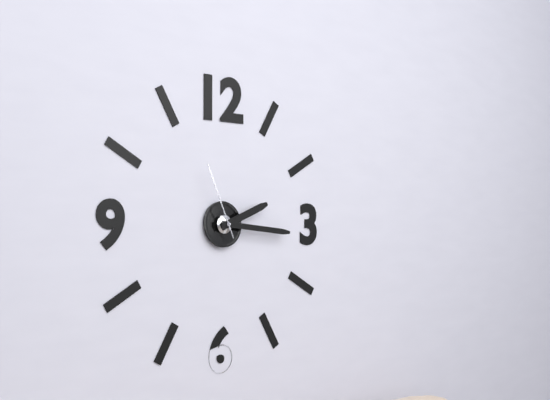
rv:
2h16m56s
